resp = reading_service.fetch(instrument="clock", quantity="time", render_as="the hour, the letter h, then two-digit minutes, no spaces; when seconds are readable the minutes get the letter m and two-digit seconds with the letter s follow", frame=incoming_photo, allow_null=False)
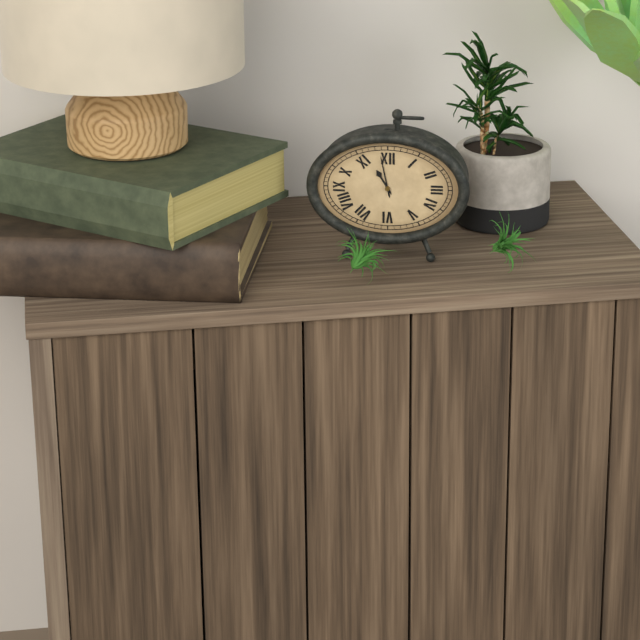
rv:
10h58
